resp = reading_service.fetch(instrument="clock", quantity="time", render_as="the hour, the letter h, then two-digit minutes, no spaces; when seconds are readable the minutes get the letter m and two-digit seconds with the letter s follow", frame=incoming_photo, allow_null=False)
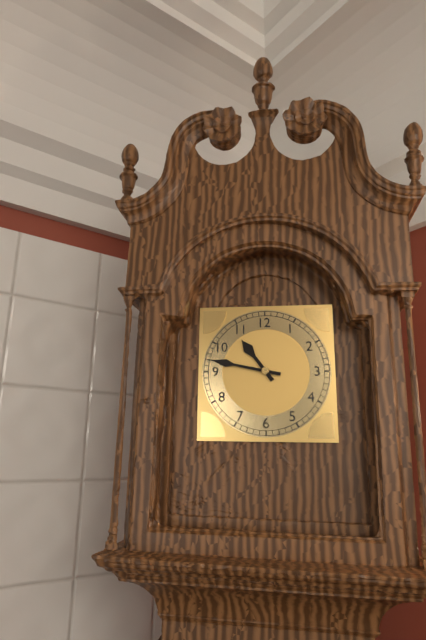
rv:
10h47
